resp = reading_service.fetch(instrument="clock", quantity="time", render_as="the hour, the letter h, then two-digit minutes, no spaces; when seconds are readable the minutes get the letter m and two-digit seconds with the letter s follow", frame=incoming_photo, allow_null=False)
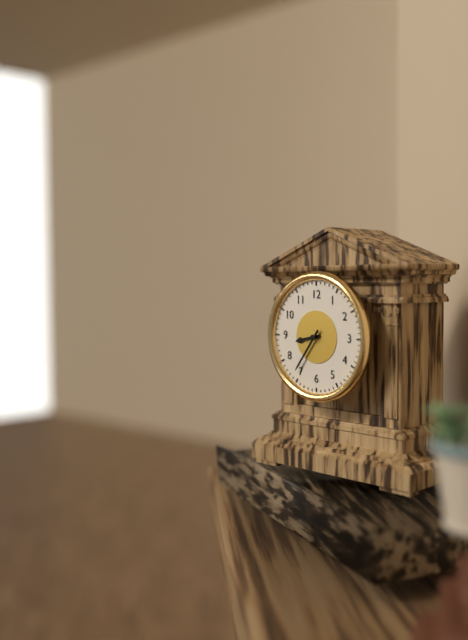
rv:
8h36
